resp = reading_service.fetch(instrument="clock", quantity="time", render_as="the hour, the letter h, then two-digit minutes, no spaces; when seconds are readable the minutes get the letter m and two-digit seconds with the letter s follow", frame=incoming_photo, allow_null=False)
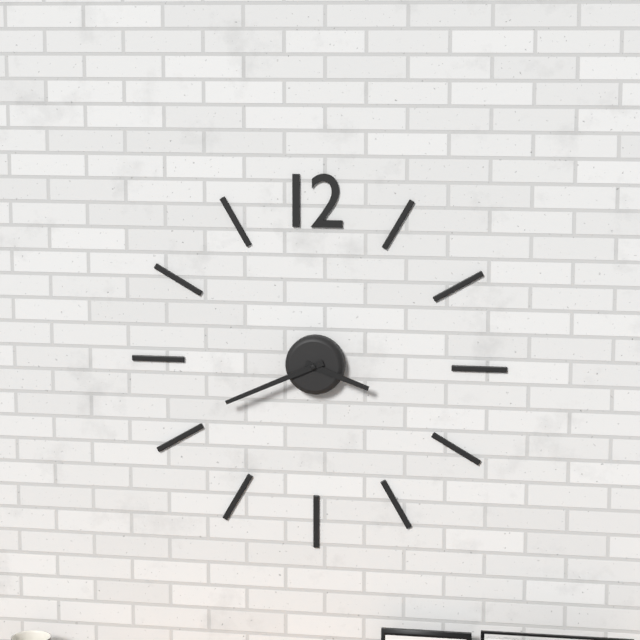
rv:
3h41
